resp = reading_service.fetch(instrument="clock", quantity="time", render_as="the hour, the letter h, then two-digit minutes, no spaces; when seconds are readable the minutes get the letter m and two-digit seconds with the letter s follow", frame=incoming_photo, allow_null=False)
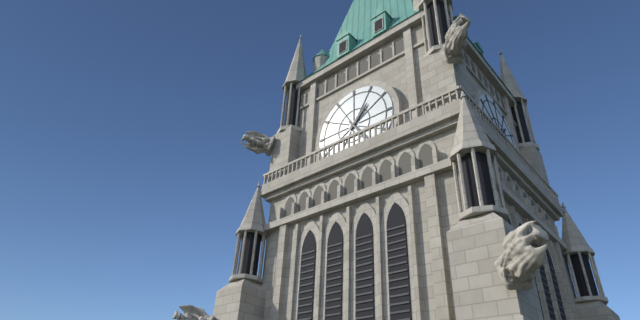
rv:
1h24
